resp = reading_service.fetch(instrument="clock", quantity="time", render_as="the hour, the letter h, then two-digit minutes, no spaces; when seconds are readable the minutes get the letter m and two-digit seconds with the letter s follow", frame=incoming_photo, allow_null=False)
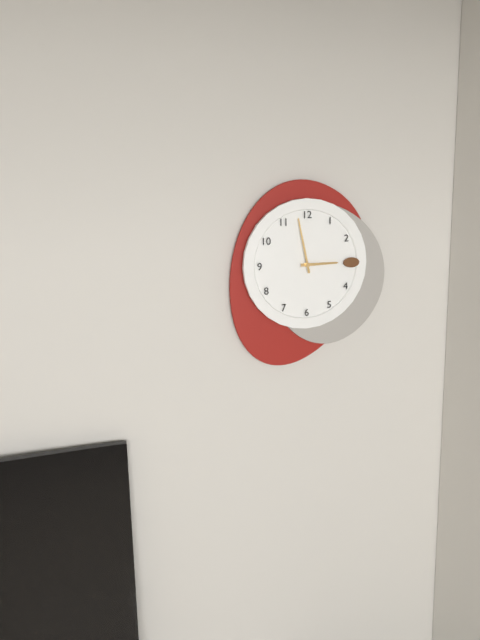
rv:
2h58
